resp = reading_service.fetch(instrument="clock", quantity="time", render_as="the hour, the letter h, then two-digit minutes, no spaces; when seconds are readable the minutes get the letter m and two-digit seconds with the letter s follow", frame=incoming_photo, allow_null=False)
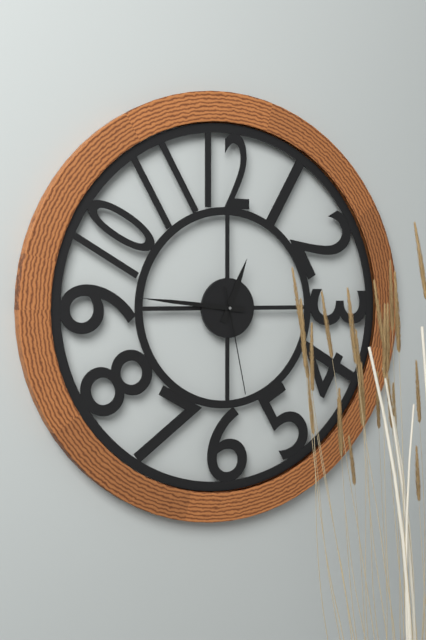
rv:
12h46m28s
